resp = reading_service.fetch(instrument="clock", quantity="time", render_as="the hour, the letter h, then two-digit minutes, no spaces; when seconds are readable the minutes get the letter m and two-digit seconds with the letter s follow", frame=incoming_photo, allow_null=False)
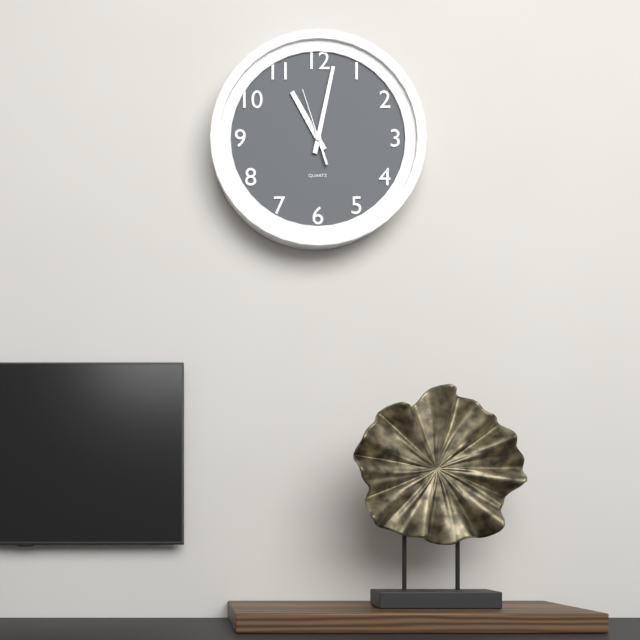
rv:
11h02m57s
